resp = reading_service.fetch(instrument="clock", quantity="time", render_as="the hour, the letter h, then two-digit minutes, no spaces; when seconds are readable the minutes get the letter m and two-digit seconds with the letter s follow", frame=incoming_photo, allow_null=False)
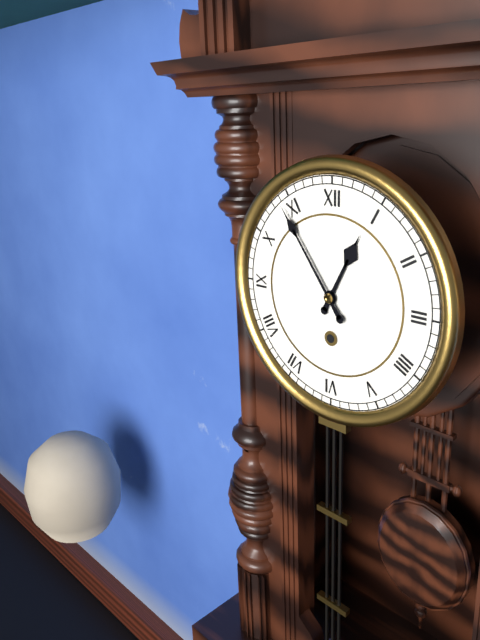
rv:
12h54
